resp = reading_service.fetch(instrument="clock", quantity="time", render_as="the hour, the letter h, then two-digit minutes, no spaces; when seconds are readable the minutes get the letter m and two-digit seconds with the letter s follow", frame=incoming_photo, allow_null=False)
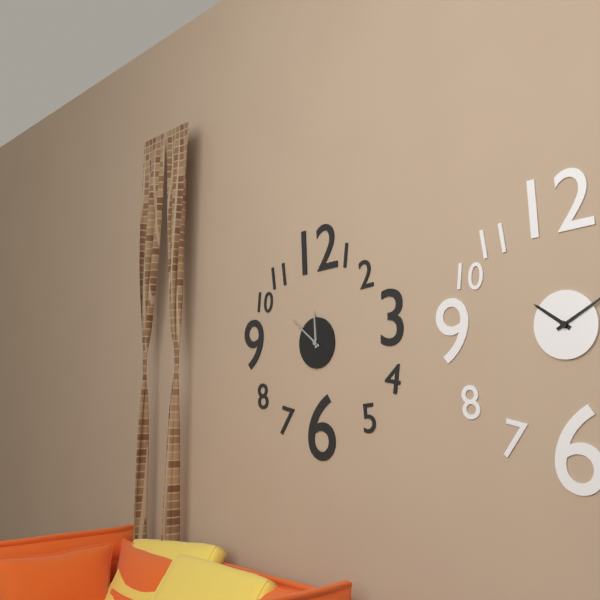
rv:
11h51
